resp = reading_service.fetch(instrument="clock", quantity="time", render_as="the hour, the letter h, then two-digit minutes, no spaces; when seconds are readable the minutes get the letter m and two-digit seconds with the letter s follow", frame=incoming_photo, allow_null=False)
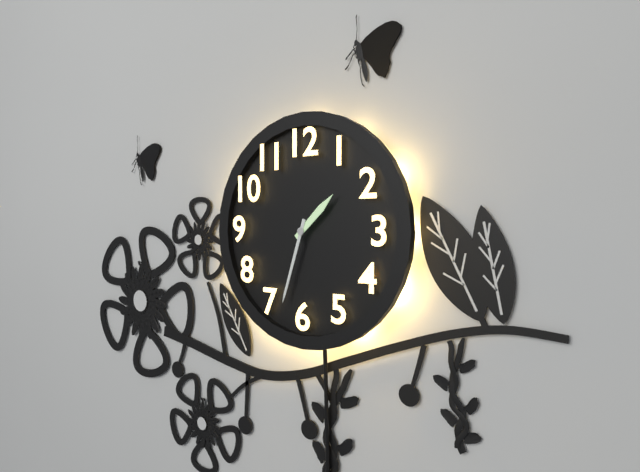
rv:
1h33
